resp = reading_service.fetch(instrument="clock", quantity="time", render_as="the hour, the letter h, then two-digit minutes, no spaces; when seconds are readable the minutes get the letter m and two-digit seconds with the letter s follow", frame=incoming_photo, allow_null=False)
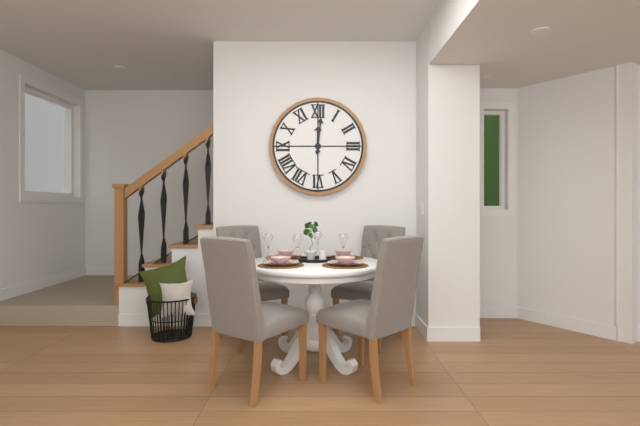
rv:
12h01
